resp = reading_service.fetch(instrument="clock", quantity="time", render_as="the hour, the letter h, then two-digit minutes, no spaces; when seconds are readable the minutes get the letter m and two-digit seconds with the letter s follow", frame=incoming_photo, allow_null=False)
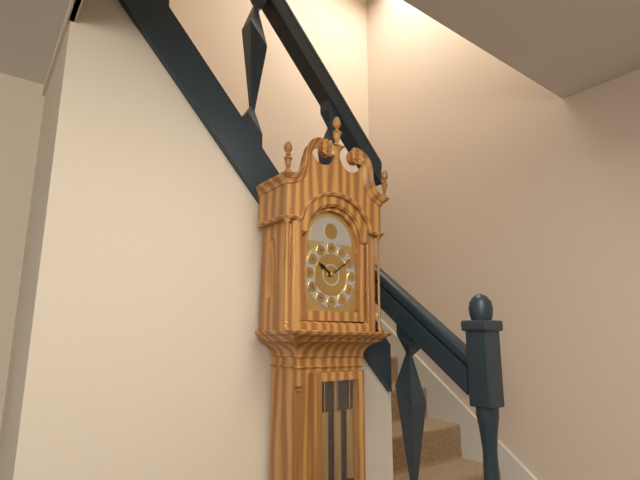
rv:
10h09
